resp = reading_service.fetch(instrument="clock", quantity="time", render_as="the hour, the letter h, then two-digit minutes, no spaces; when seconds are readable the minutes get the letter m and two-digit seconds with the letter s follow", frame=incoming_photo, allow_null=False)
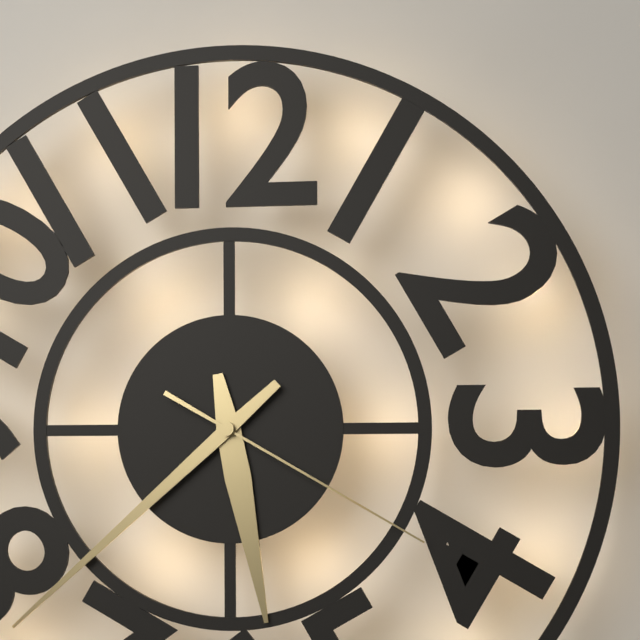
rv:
5h38m20s
